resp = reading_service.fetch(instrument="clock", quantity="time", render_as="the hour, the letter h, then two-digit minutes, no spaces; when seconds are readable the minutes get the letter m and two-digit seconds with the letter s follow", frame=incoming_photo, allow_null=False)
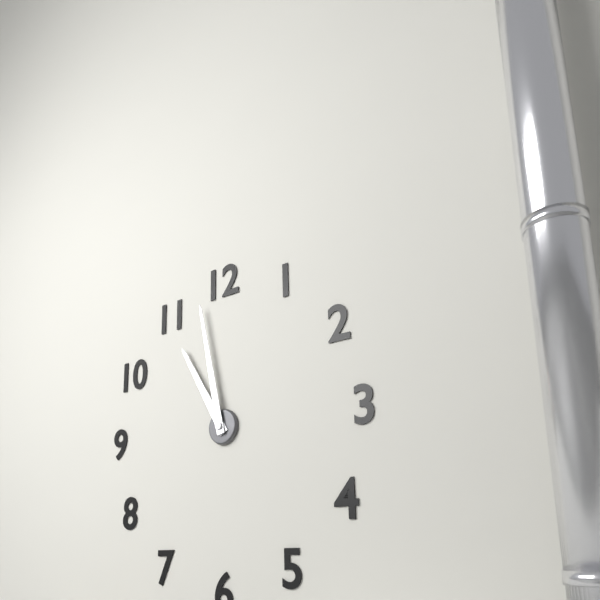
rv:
10h58
